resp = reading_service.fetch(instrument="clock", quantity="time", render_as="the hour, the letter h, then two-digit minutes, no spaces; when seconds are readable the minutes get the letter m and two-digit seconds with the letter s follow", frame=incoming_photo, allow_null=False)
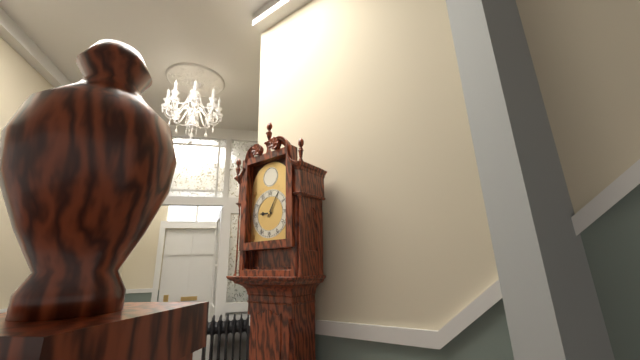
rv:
9h05
